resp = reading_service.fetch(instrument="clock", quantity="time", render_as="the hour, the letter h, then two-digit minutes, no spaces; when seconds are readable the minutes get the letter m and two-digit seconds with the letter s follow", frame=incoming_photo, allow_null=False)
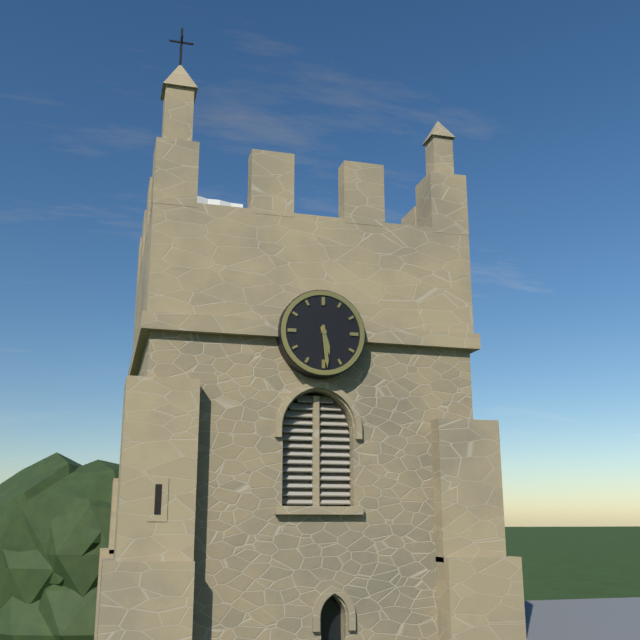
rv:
5h29
